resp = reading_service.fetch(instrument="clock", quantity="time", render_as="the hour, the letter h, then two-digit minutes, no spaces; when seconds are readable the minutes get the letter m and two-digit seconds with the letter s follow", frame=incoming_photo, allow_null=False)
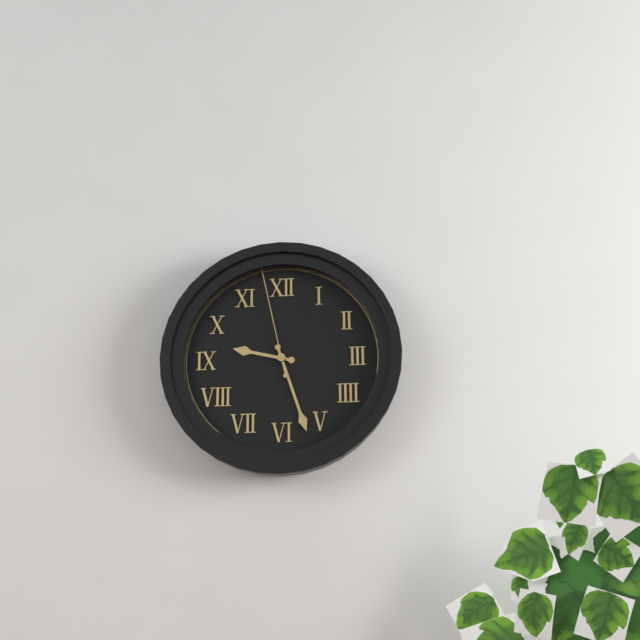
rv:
9h27m58s
